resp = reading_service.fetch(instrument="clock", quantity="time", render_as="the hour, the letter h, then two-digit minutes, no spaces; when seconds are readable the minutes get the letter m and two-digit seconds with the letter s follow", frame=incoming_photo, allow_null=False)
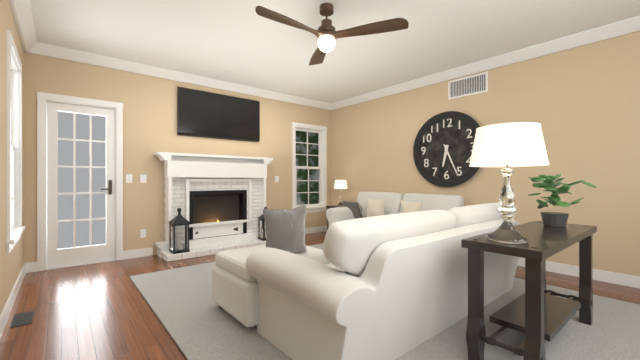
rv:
6h26
